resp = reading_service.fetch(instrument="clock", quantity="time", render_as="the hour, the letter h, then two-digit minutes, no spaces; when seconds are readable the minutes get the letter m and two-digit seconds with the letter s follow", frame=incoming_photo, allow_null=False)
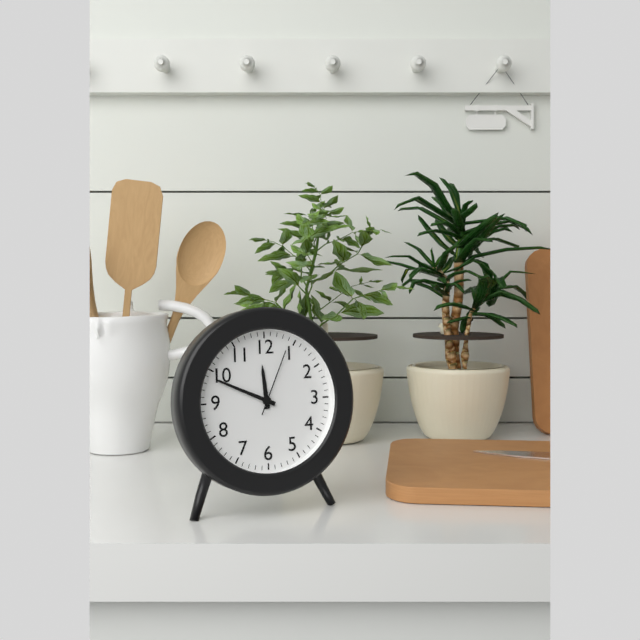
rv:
11h49m04s
